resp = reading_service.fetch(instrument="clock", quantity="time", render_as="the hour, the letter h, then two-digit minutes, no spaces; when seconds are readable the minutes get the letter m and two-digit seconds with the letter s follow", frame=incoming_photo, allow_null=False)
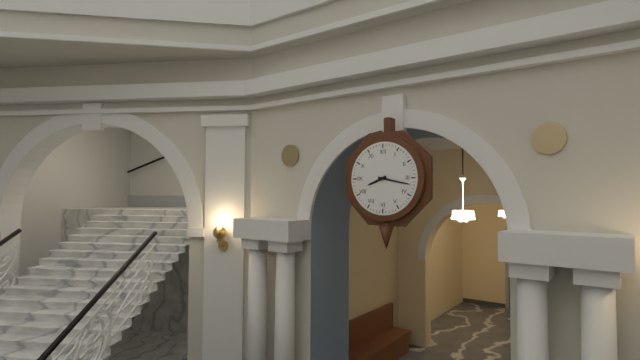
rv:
8h17
